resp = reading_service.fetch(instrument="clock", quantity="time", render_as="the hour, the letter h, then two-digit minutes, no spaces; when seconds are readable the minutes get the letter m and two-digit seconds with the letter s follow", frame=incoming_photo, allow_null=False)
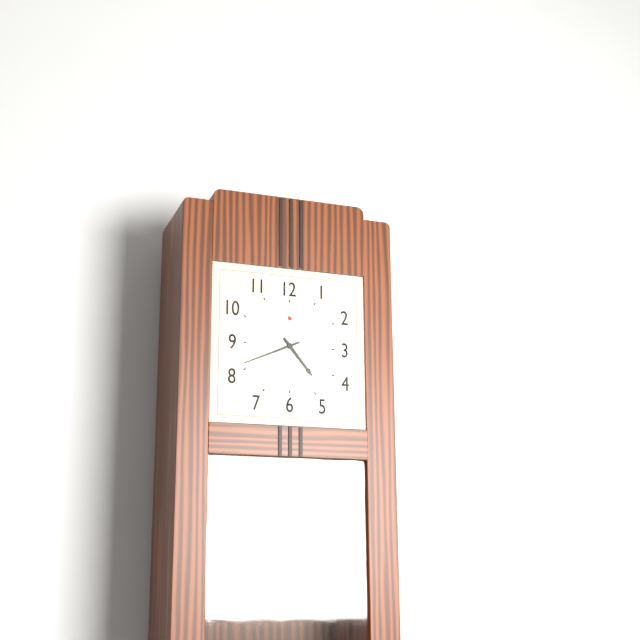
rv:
4h41
